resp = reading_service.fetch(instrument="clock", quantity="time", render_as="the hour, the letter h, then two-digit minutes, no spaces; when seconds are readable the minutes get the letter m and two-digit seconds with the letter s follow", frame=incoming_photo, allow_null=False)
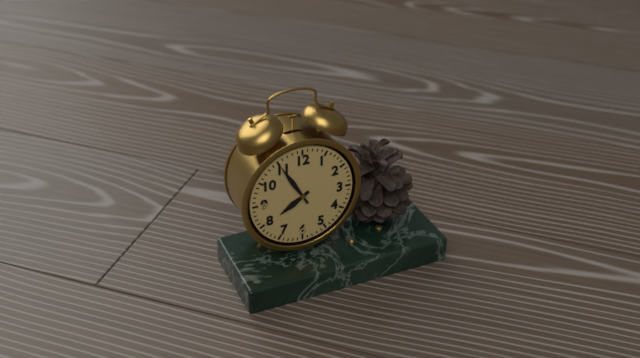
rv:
7h55
